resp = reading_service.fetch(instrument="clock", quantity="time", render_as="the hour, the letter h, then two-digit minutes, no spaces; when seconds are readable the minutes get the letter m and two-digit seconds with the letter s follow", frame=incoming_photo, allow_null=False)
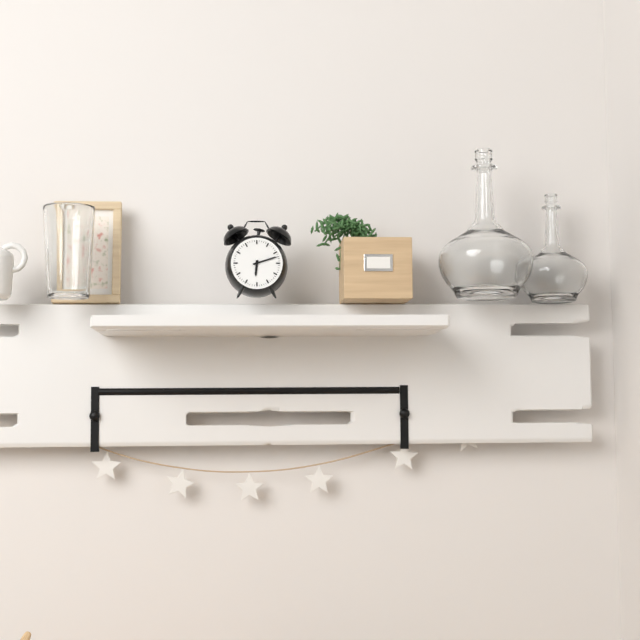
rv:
6h12
